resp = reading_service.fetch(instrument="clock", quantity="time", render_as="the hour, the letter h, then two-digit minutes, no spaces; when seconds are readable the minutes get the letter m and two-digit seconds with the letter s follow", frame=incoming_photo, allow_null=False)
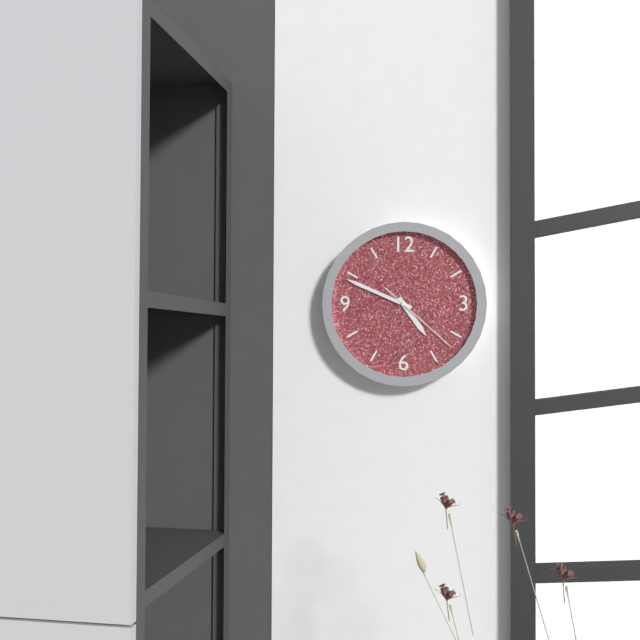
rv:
4h49m22s
